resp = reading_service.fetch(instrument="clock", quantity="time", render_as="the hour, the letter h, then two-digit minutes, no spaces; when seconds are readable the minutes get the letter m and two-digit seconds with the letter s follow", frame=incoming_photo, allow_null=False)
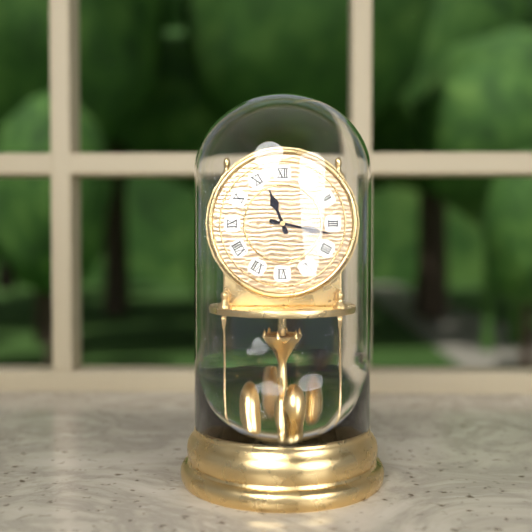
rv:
11h17
